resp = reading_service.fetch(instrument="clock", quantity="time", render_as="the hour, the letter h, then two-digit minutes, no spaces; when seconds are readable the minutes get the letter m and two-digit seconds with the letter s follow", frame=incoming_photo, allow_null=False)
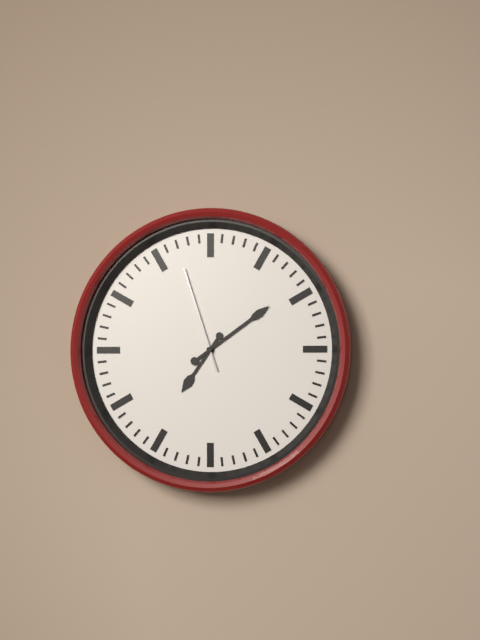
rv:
7h09m57s
